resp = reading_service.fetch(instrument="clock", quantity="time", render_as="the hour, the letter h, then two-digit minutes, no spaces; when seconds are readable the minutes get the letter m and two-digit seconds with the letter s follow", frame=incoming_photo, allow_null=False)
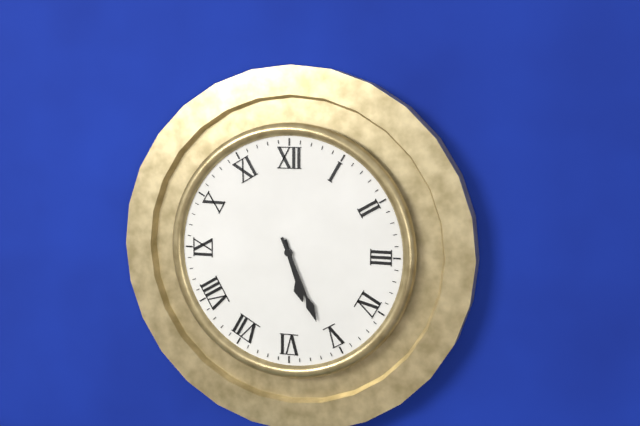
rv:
5h26
